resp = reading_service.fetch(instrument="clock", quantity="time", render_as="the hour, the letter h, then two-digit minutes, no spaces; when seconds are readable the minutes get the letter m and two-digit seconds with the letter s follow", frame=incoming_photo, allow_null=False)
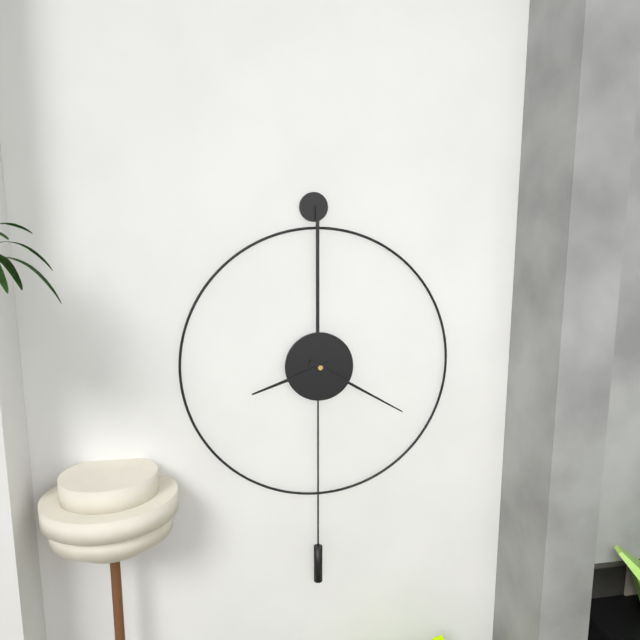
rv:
8h20
